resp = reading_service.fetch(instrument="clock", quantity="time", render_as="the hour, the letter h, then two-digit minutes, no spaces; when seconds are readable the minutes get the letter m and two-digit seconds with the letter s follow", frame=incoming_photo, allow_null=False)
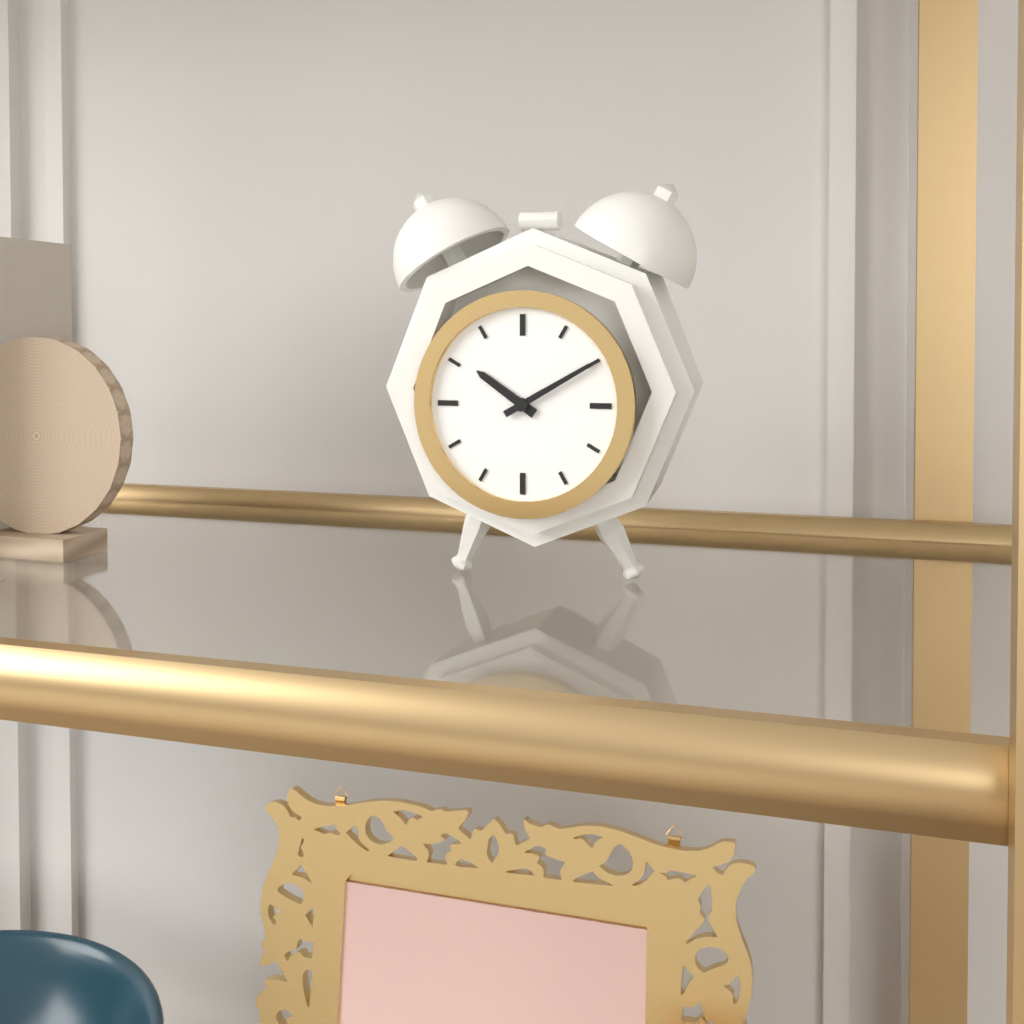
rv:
10h10
